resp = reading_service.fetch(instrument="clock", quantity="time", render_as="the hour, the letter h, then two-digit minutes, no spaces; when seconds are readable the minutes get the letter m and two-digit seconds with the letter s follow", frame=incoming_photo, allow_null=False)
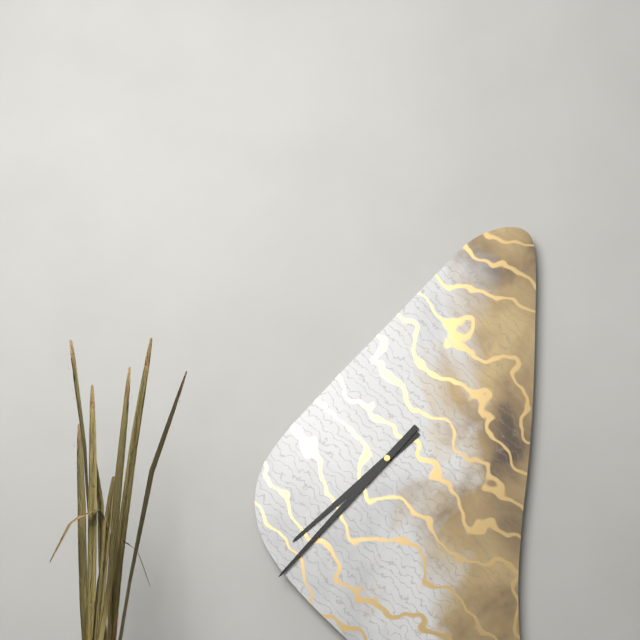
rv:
7h37
